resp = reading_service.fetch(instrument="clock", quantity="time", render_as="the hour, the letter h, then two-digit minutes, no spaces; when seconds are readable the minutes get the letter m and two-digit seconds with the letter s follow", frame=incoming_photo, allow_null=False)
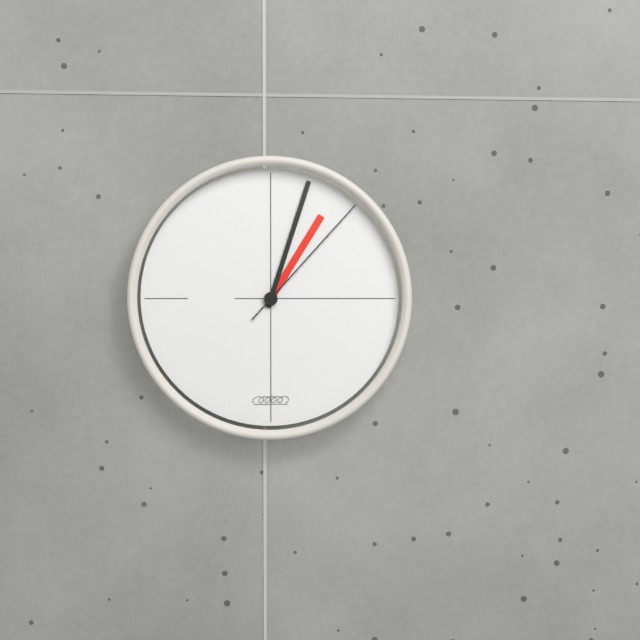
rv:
1h03m07s
